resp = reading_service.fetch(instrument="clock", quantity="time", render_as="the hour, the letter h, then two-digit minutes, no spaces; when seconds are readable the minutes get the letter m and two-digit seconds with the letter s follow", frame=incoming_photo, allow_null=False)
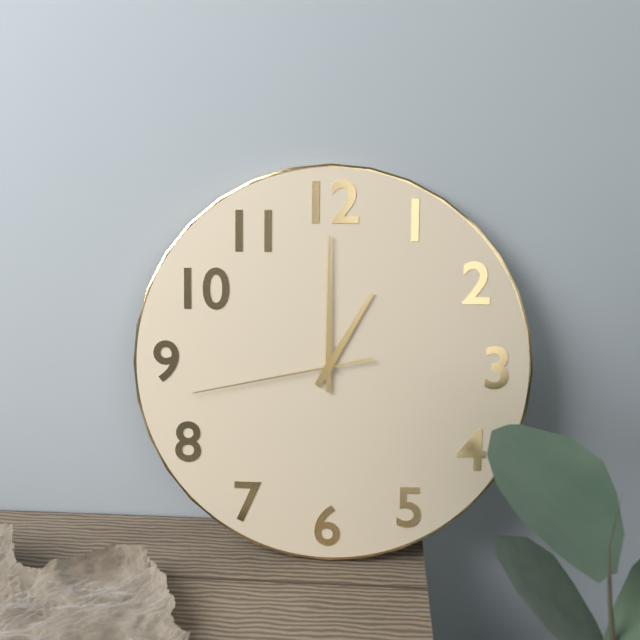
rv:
1h00m43s
